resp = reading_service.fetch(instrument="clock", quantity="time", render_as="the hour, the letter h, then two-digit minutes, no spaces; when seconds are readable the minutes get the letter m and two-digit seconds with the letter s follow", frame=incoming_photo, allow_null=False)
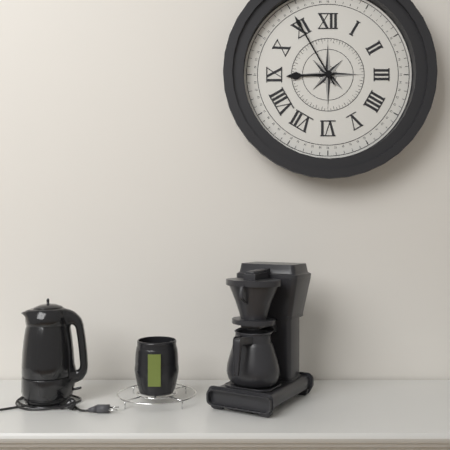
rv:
8h55
